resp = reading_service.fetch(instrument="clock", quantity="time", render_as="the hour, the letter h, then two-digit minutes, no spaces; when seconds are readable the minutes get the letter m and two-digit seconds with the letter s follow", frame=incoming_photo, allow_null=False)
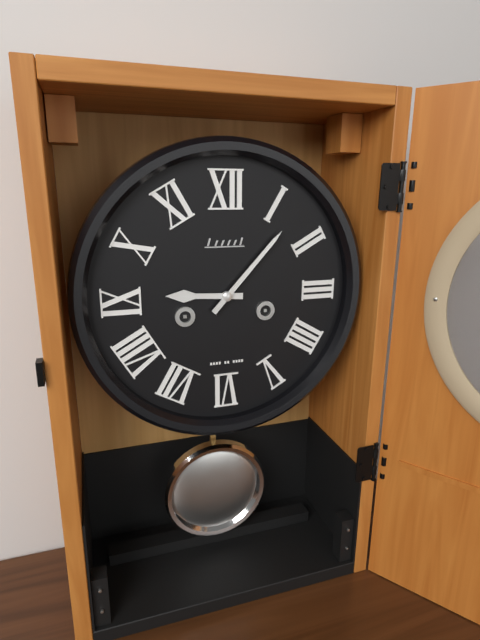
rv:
9h07
